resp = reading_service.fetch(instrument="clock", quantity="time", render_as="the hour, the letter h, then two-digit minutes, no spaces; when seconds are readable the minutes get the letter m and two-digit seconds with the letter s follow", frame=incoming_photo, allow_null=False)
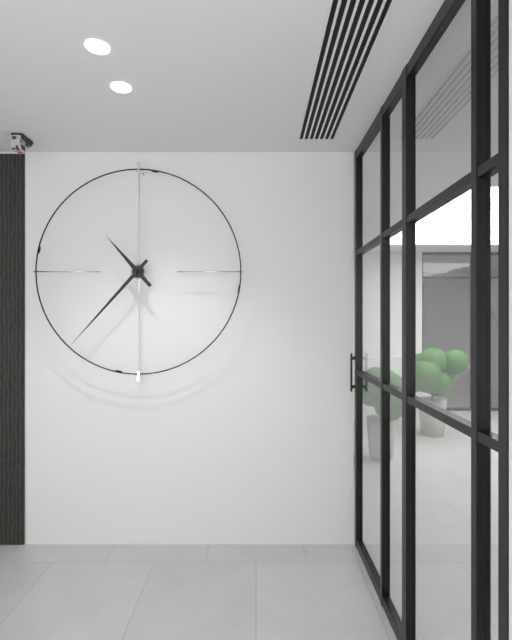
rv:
10h37
